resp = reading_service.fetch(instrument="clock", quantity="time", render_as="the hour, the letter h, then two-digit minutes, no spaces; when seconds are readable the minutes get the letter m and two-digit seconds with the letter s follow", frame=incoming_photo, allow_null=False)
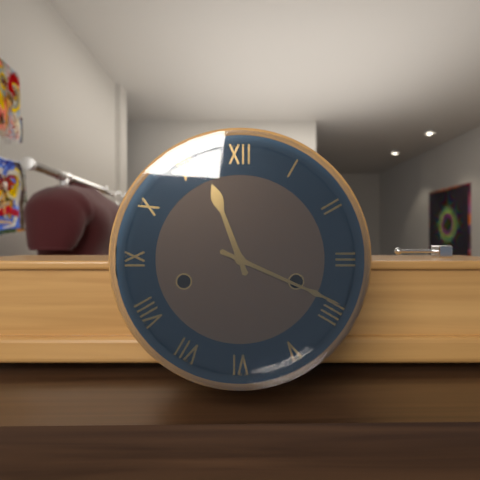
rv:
11h19
